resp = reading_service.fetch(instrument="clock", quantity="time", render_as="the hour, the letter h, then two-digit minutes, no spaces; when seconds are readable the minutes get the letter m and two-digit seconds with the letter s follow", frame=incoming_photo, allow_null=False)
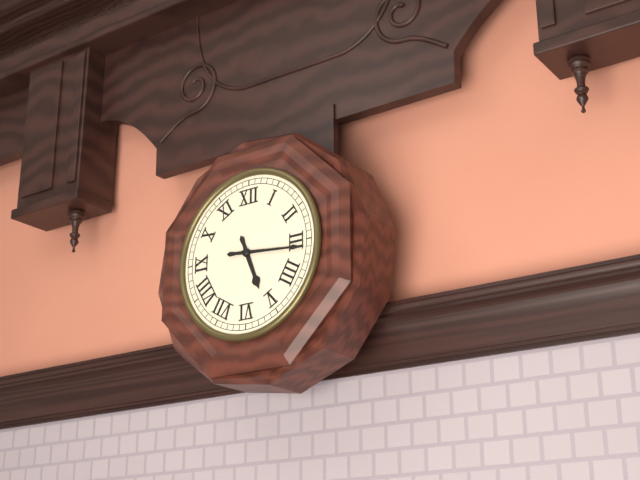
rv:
5h16
